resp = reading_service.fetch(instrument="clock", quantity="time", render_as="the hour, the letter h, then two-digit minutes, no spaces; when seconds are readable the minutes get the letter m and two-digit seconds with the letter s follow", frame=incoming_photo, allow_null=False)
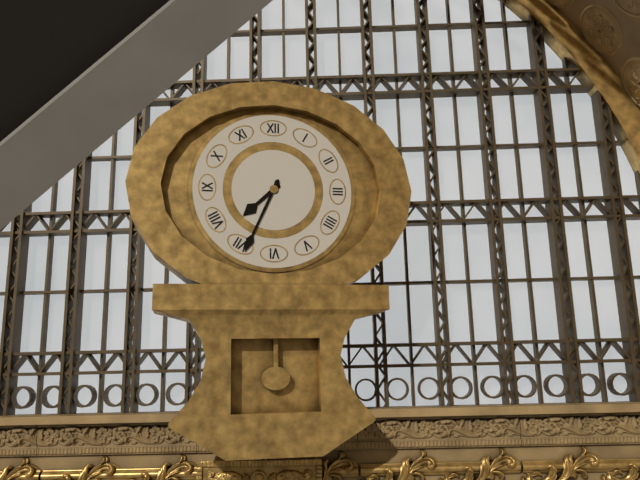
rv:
7h34
